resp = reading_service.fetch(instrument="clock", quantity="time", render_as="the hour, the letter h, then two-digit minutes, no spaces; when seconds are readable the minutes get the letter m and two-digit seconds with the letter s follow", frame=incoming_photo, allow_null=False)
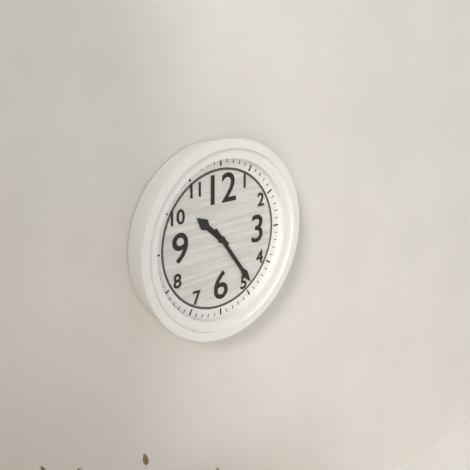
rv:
10h24
